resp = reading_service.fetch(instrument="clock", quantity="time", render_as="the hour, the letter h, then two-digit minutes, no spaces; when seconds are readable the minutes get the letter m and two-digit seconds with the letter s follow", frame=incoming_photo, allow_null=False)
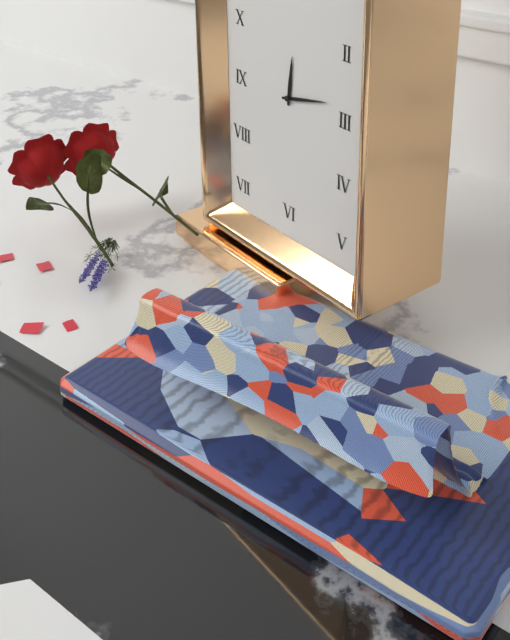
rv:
12h13
